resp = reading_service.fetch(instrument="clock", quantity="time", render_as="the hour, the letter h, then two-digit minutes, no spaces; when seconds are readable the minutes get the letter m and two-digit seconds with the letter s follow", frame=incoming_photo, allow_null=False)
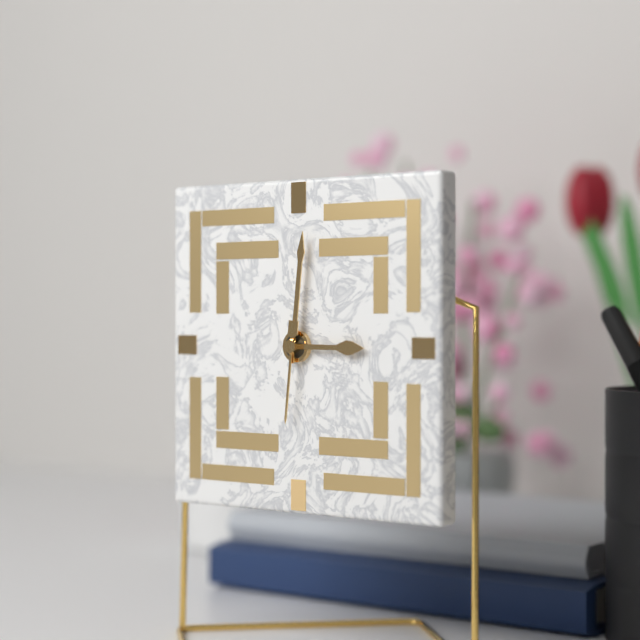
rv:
3h01m31s
